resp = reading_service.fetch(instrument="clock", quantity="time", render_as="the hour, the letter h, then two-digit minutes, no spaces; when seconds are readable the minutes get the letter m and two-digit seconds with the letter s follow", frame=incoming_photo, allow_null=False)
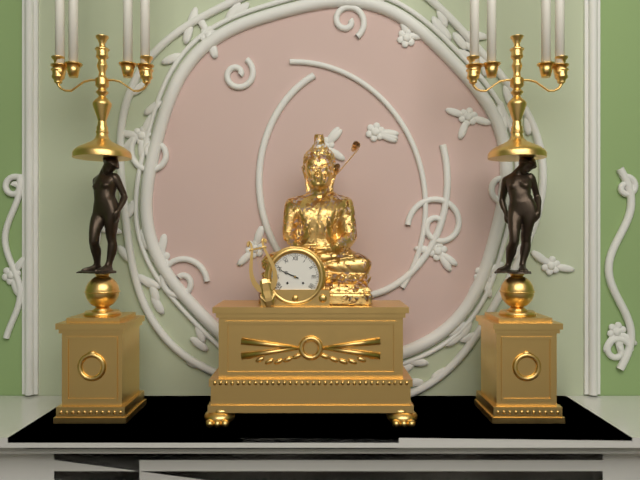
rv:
9h49
